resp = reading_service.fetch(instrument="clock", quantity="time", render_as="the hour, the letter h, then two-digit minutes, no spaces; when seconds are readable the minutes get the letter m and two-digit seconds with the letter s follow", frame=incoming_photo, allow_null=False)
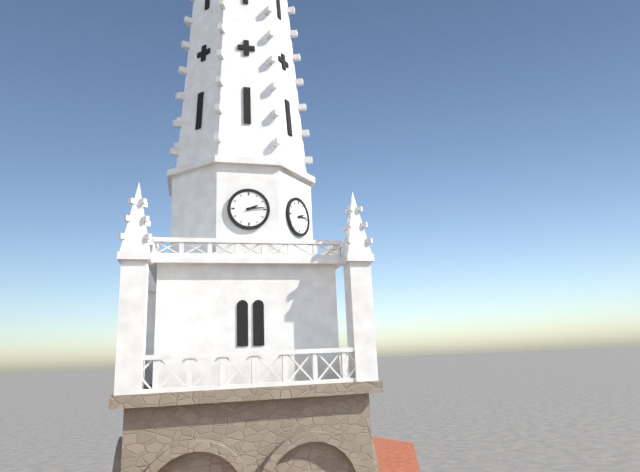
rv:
2h14
